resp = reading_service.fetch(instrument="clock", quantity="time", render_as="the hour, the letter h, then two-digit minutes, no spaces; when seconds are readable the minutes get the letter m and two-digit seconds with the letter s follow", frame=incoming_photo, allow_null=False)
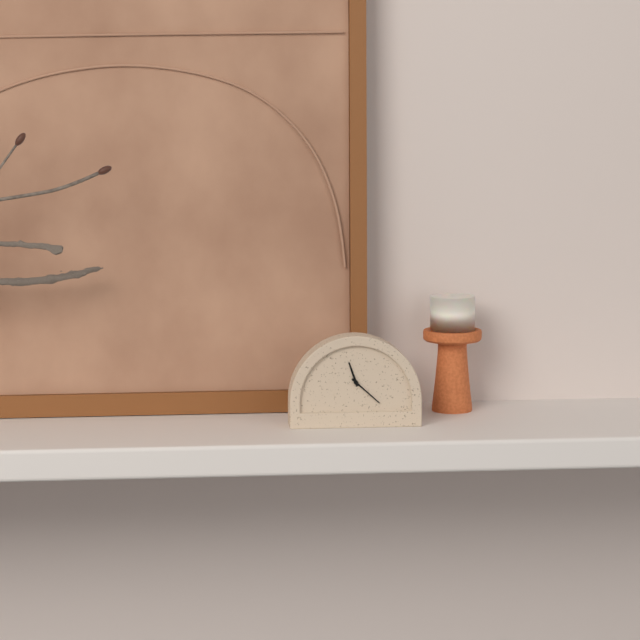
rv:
11h22
